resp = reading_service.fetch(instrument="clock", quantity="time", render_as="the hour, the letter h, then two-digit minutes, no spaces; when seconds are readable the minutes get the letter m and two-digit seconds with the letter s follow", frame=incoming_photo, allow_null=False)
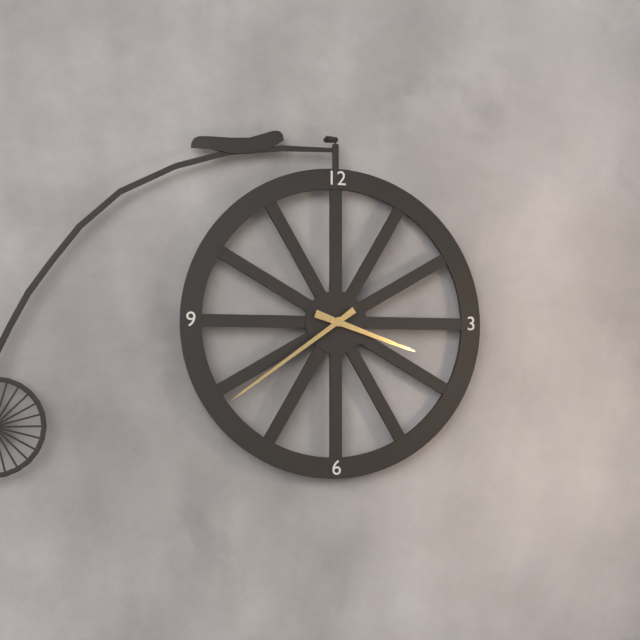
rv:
3h39
